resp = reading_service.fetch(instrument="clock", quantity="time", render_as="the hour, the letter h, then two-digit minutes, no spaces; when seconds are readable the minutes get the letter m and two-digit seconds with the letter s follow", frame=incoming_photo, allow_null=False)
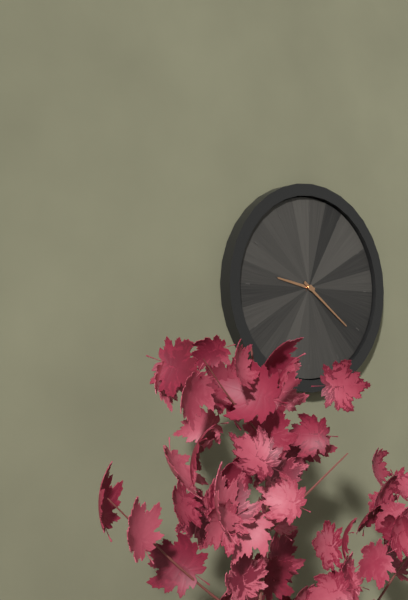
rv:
9h21
